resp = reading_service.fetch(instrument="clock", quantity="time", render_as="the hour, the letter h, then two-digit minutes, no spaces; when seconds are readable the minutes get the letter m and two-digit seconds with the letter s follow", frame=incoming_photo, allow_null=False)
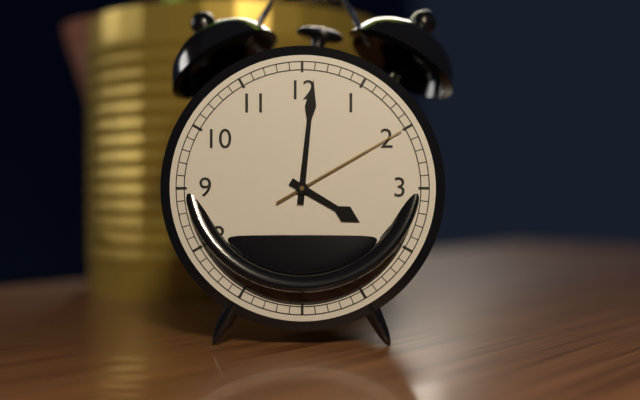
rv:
4h01m10s
